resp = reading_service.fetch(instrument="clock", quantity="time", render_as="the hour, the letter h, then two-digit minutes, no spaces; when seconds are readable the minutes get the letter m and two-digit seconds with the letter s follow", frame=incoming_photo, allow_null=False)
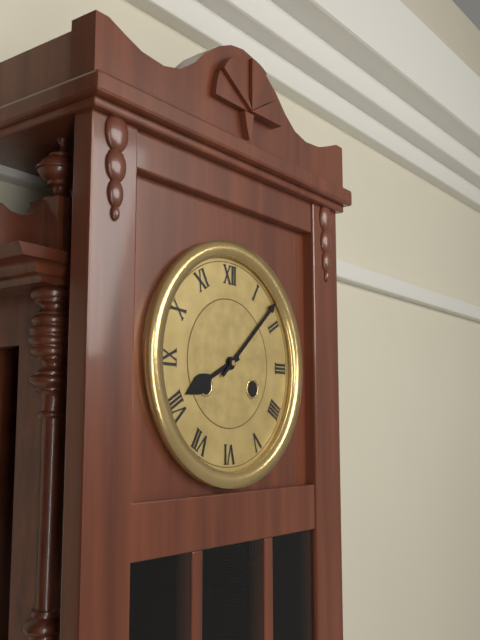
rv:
8h08
